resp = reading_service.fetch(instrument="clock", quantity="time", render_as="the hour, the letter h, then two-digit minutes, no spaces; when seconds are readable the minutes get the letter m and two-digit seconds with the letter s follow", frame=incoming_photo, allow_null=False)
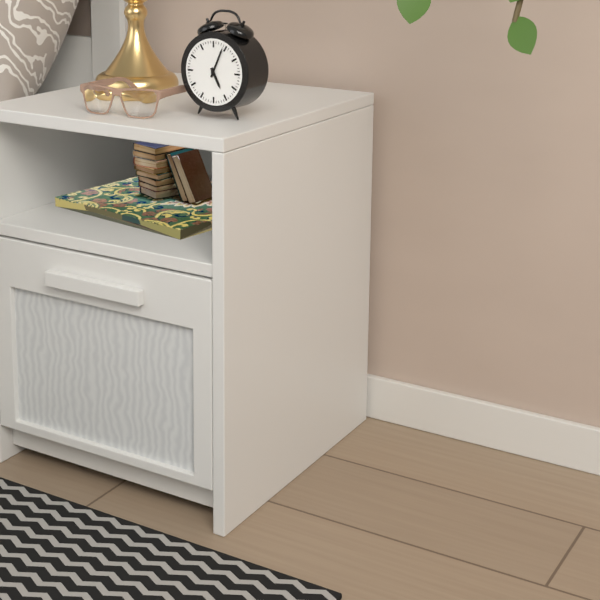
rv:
5h04
